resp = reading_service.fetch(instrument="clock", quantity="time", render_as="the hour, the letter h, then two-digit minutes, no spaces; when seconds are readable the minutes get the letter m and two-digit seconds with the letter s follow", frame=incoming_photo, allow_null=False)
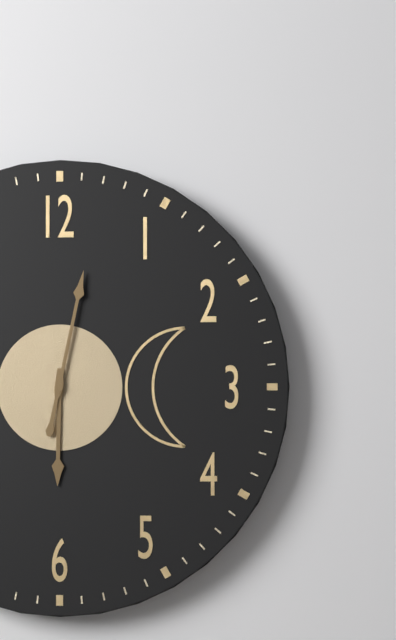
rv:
6h02
